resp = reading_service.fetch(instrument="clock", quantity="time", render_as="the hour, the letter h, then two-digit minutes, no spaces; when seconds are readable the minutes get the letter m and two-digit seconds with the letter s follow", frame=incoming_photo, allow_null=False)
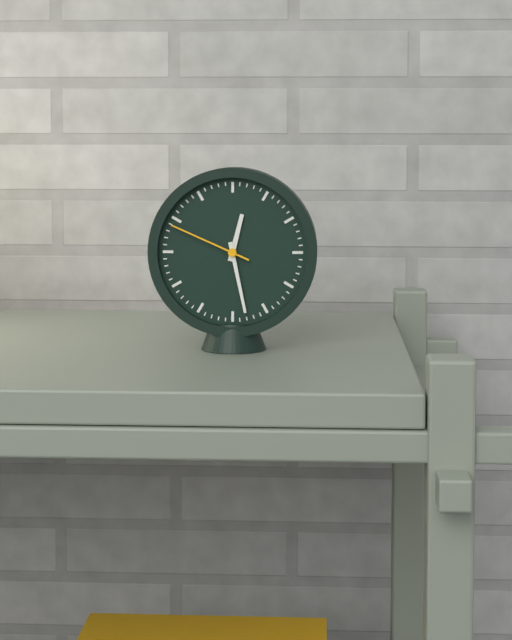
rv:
12h28m49s
